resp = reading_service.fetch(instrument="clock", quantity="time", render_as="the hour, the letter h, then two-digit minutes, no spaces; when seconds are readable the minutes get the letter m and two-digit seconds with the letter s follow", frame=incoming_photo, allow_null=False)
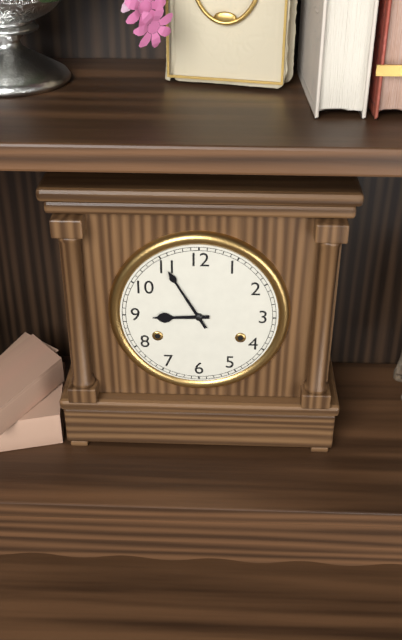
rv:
8h55
